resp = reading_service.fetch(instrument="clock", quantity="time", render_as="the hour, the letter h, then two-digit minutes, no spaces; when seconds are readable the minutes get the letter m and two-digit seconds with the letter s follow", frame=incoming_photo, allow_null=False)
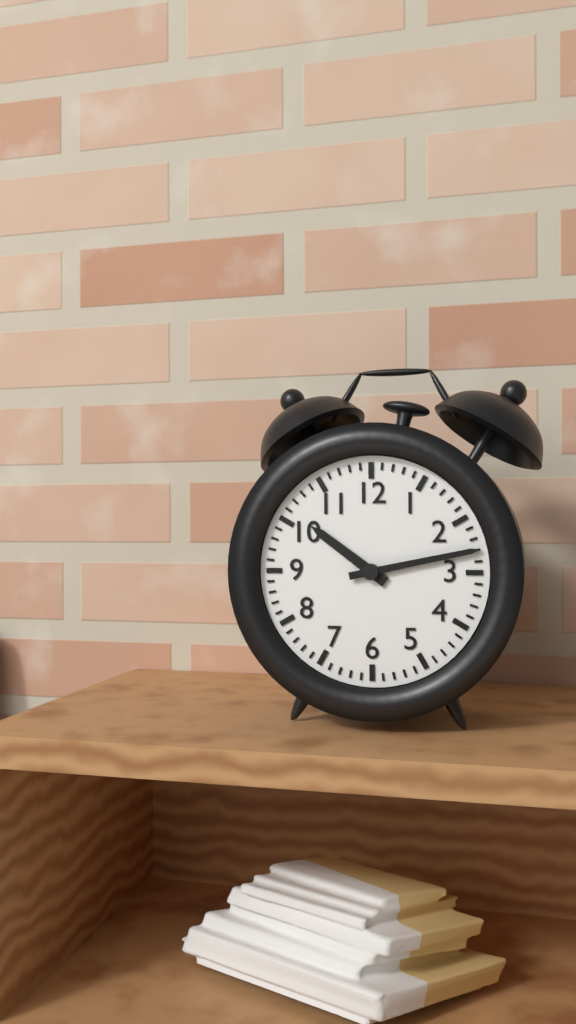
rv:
10h13
